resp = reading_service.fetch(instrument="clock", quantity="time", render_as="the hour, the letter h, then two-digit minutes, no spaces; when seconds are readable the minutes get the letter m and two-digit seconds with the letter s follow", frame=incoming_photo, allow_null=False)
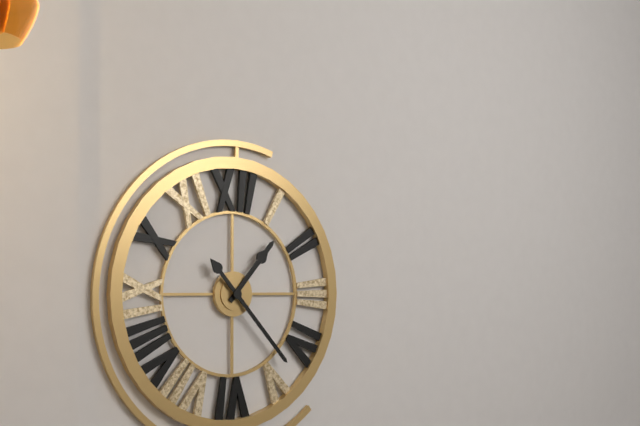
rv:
1h23
